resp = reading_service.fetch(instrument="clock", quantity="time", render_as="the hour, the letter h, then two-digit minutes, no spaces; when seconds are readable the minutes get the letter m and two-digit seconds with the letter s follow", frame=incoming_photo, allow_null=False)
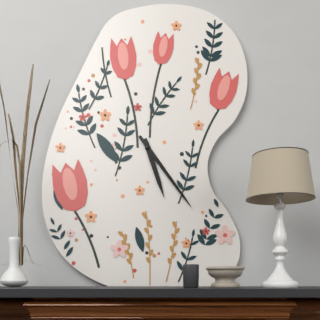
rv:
5h24
